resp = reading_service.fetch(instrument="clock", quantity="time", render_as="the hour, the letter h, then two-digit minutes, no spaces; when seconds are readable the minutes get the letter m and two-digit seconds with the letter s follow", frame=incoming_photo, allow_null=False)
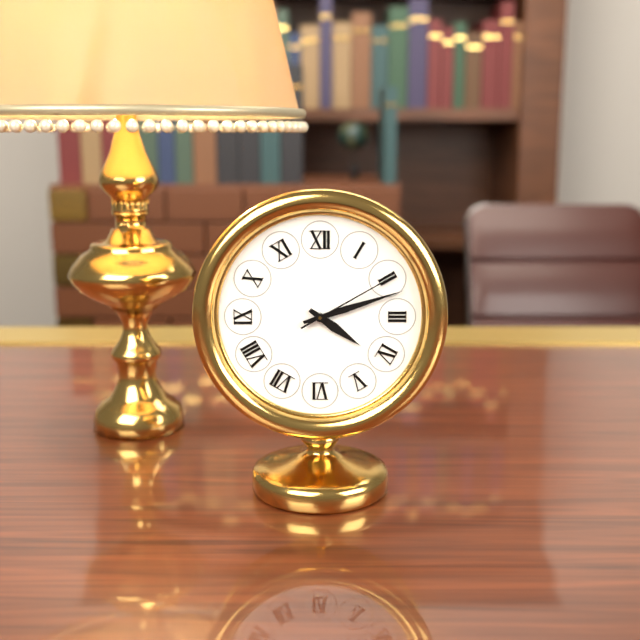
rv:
4h12m10s
